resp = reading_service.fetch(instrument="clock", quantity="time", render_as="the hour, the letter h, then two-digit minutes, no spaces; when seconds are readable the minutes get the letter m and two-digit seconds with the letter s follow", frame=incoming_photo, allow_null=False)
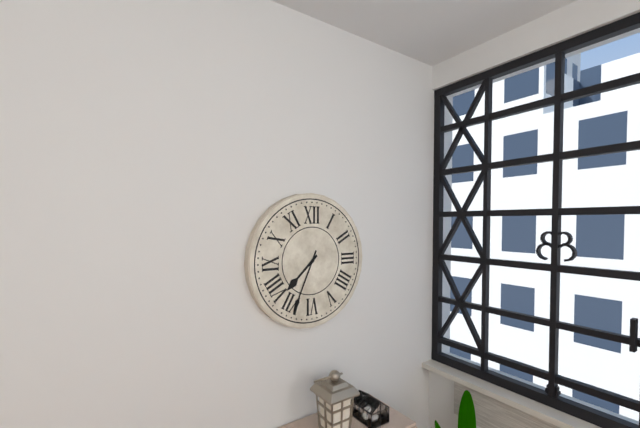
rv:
7h34
